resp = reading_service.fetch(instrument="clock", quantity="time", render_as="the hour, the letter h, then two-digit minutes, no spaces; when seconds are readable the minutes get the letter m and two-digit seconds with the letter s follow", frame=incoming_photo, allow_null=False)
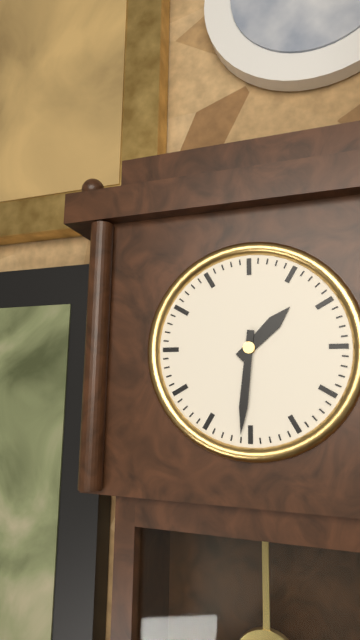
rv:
1h31
